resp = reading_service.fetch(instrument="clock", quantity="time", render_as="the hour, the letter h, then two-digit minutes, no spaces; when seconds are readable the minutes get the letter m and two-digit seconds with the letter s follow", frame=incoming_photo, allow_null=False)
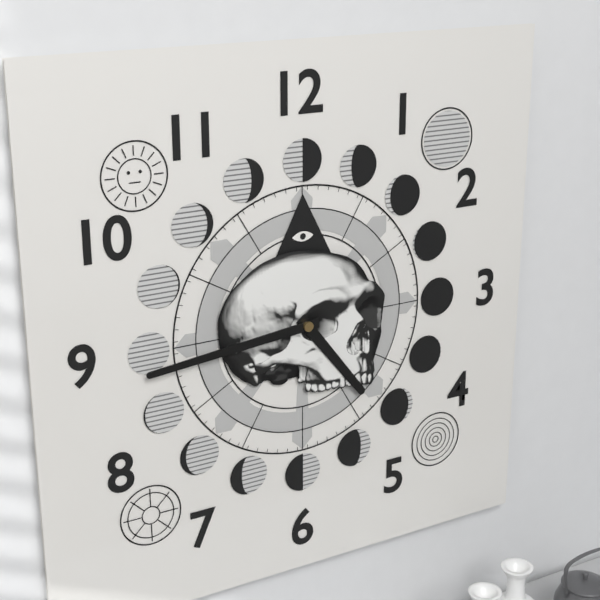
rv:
4h44
